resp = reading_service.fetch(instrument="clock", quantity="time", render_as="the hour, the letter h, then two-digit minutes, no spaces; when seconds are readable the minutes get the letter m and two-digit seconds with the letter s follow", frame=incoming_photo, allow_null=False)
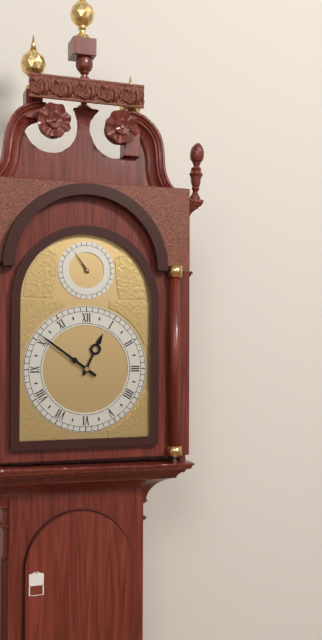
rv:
12h51
